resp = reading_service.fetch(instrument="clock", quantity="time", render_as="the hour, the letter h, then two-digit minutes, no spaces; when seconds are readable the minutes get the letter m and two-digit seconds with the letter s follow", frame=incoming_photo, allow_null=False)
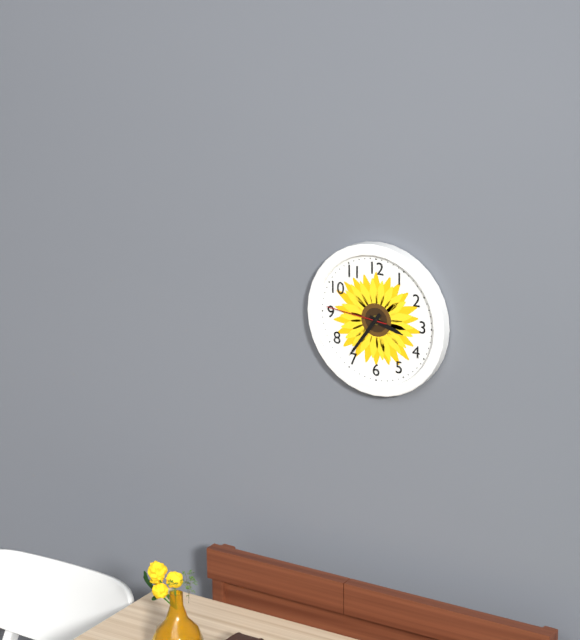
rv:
3h36m46s
